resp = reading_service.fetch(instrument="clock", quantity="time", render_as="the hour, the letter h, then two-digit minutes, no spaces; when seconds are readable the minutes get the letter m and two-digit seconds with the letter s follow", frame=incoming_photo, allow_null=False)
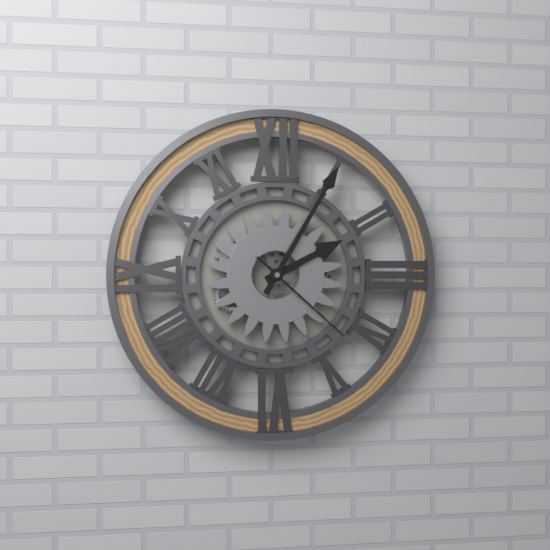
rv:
2h05m22s
